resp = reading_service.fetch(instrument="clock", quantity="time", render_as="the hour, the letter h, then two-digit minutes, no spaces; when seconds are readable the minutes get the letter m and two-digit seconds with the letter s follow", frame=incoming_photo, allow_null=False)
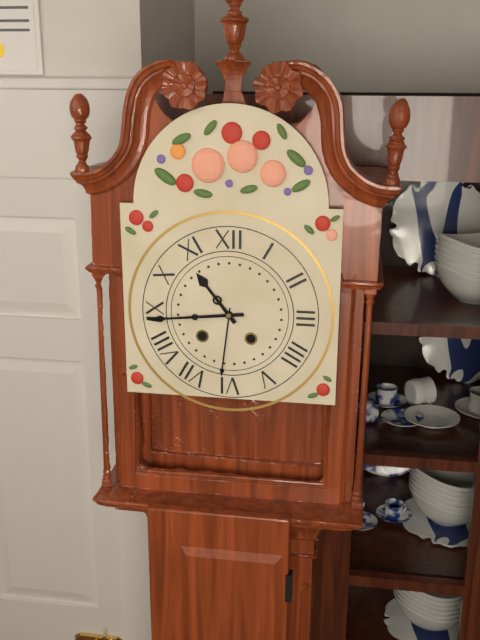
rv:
10h44
